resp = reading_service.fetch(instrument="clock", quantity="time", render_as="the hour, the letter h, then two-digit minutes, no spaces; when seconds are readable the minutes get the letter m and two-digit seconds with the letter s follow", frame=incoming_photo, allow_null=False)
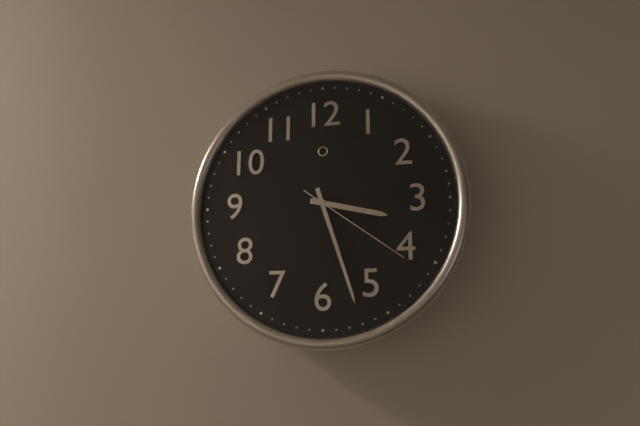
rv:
3h27m21s
